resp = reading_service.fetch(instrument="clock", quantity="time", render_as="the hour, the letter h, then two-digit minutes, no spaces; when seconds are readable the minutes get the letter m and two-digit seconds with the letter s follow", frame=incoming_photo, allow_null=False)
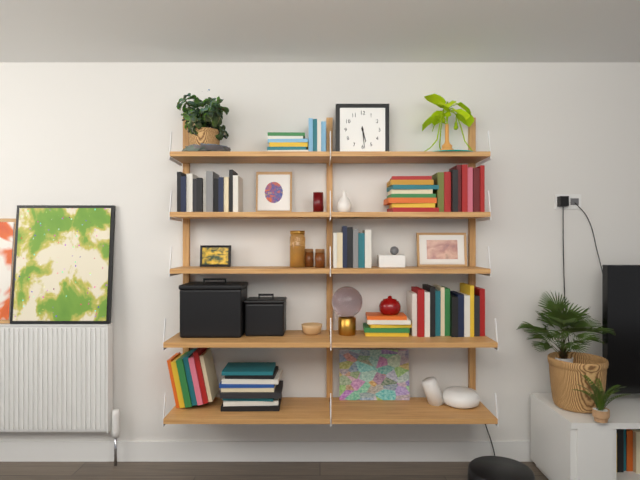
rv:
5h29
